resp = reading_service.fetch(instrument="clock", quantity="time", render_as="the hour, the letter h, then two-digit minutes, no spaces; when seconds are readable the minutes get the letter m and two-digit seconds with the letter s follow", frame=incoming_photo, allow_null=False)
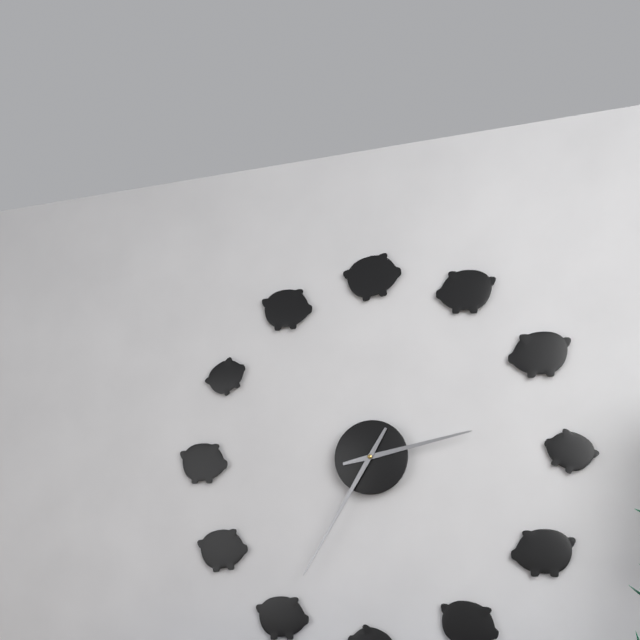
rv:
2h35
